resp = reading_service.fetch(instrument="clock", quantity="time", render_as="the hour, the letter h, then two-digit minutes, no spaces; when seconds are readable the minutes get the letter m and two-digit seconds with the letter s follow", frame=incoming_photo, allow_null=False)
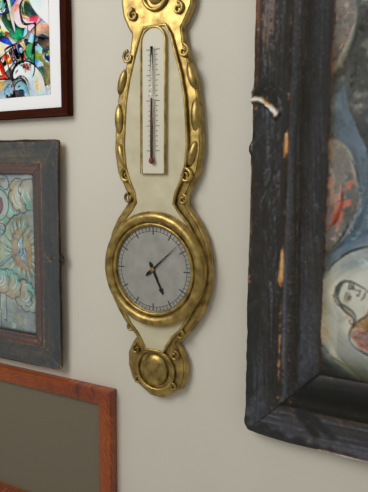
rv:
5h08
